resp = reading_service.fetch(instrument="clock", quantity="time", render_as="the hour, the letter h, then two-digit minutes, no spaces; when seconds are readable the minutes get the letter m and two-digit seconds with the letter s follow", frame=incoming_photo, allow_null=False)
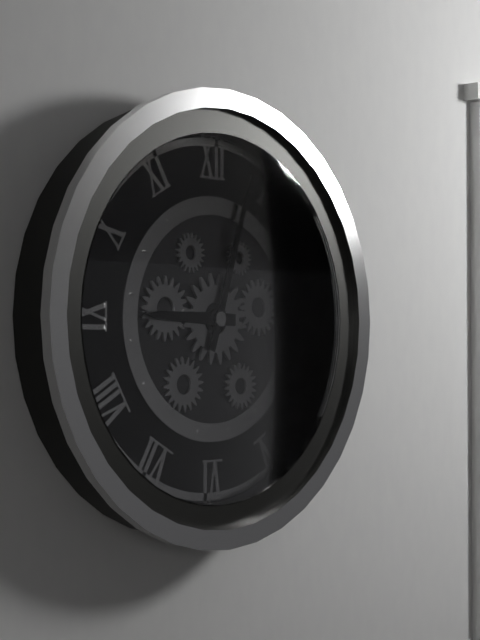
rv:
9h03
